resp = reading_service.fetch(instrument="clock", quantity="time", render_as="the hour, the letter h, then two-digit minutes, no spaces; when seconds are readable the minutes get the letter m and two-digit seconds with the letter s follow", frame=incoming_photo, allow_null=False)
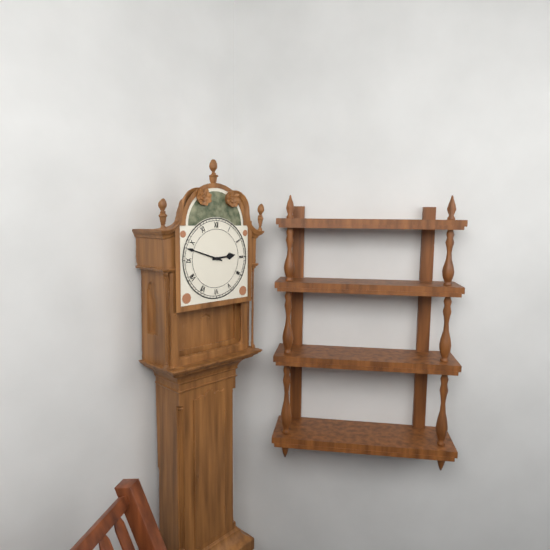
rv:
2h48
